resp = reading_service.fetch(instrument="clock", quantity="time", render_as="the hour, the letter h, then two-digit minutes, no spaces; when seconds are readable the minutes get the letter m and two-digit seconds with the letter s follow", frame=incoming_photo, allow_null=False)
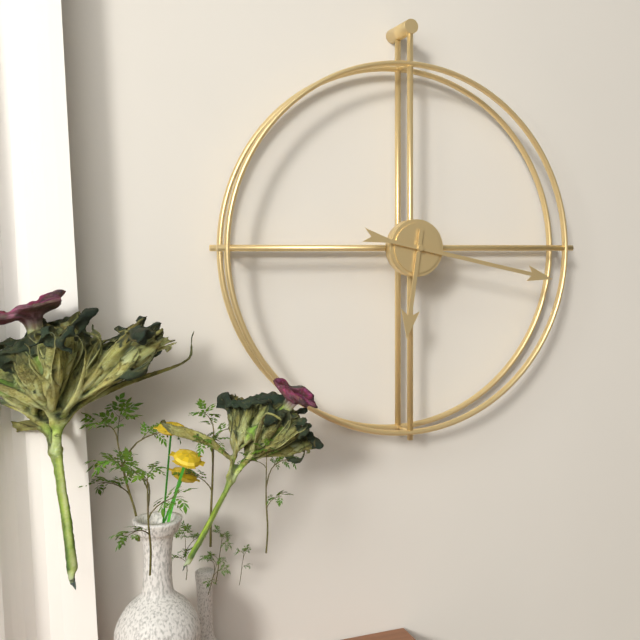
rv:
6h17
